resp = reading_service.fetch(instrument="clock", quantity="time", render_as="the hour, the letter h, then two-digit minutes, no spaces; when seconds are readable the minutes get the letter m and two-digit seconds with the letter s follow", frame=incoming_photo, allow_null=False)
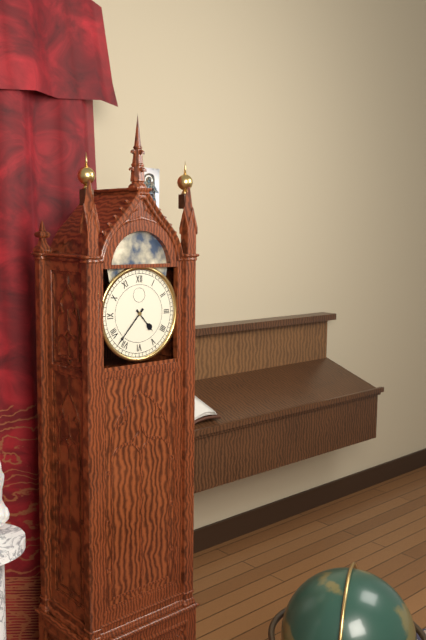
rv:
4h37
